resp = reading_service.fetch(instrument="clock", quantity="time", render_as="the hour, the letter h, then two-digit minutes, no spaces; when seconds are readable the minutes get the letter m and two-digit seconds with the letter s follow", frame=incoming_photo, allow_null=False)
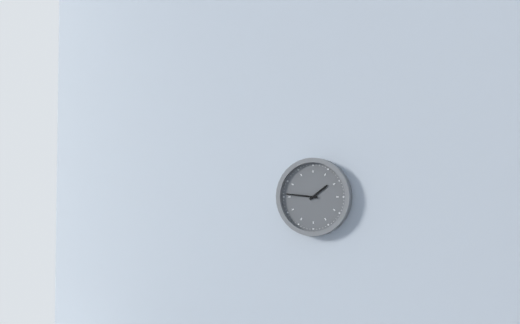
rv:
1h46
